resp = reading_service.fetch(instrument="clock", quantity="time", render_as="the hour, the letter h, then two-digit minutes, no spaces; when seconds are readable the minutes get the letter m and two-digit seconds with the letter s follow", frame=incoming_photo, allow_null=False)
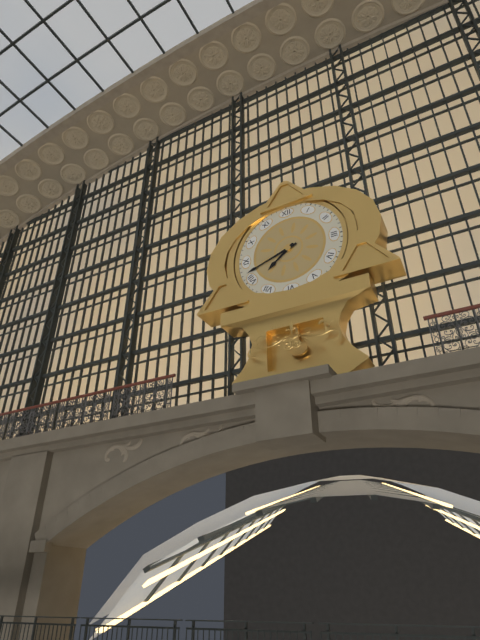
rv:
7h42
